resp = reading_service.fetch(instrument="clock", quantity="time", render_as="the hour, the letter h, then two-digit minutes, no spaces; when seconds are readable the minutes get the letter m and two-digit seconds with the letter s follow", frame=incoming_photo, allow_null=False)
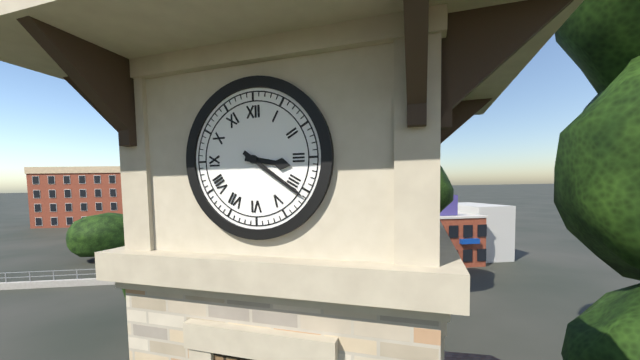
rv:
3h21
